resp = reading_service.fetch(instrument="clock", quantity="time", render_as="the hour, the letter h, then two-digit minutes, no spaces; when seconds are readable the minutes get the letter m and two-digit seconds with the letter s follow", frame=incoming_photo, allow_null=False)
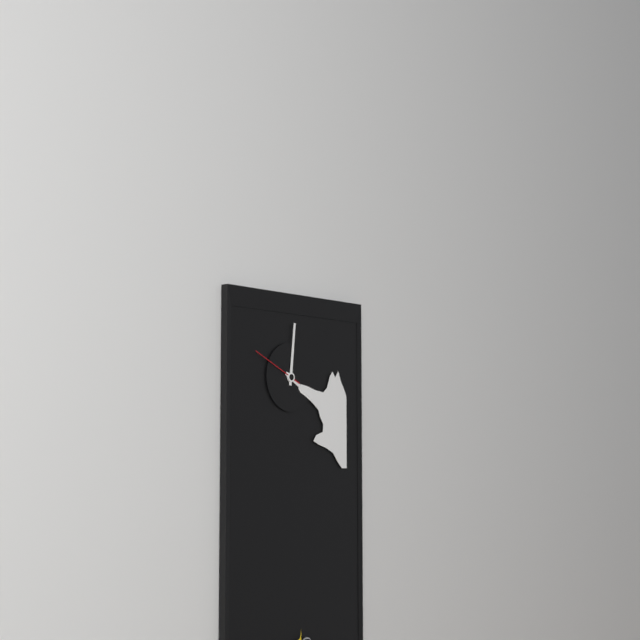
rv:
4h01m49s
